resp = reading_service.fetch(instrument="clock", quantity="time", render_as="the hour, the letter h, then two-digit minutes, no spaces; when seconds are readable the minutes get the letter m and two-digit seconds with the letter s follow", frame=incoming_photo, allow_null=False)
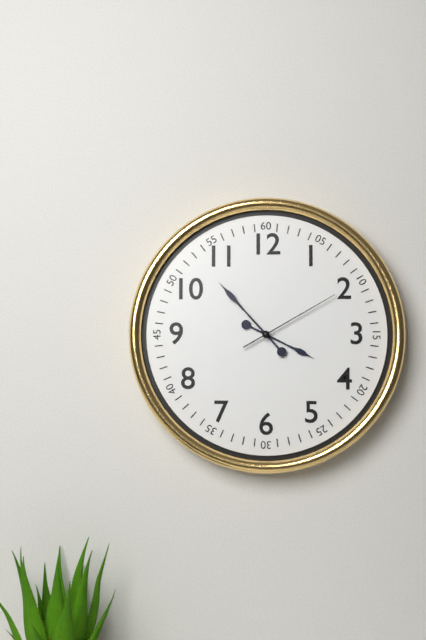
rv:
3h53m10s
